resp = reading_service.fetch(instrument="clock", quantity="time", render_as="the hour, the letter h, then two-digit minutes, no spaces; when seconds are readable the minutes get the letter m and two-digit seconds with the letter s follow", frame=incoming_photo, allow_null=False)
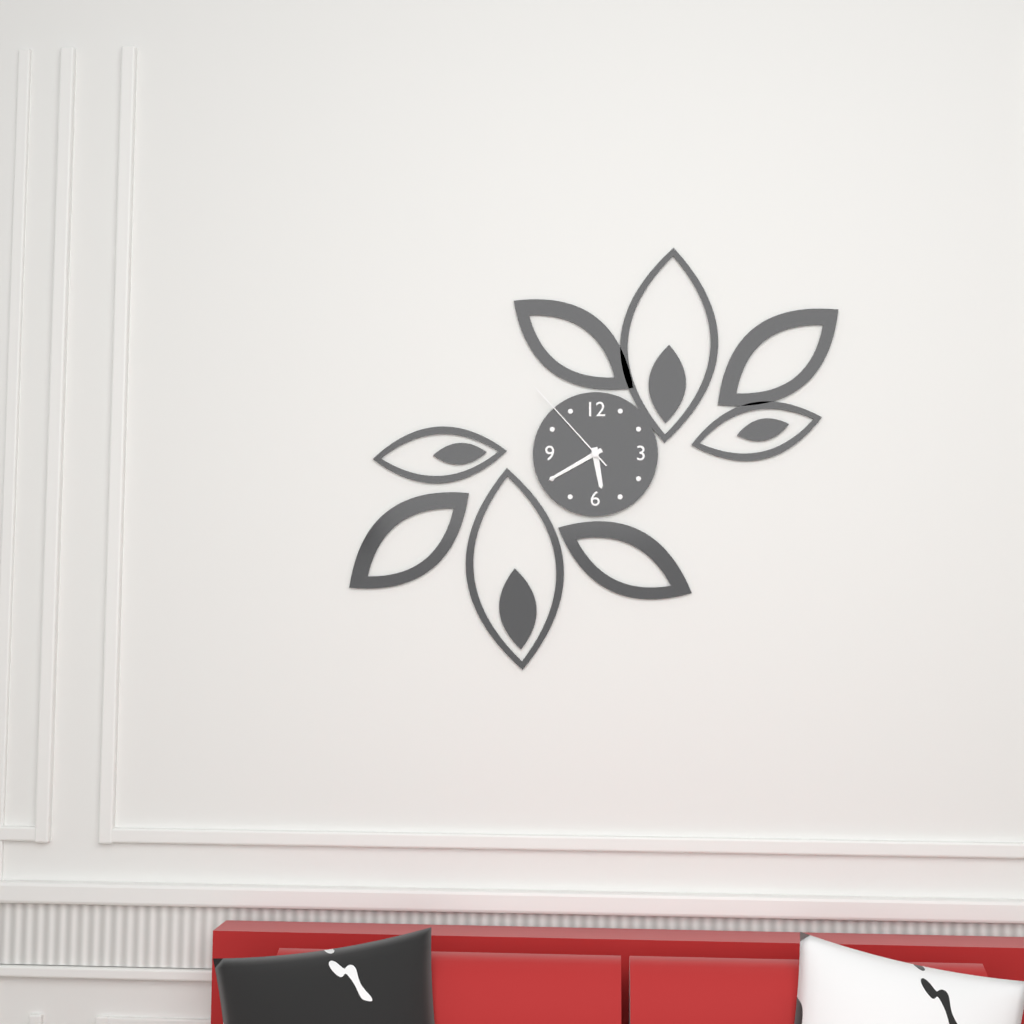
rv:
5h40m53s
